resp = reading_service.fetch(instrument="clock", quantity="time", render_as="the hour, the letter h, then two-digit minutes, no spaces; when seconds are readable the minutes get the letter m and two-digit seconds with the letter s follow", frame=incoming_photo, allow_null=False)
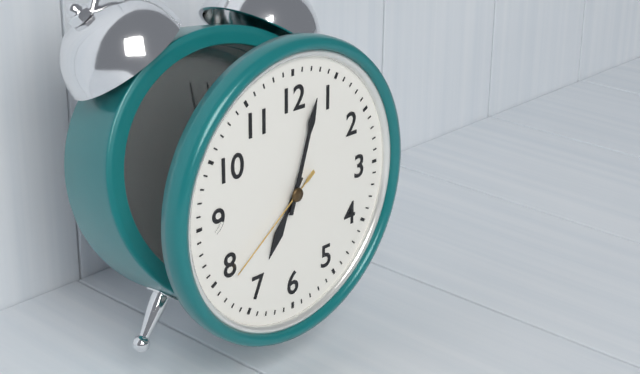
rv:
7h03m39s
